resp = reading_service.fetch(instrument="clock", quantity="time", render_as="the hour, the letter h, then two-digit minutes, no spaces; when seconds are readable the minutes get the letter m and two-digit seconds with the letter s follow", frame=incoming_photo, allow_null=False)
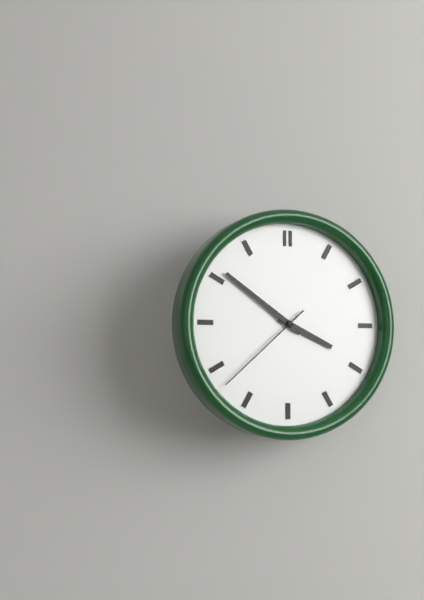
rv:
3h51m38s
